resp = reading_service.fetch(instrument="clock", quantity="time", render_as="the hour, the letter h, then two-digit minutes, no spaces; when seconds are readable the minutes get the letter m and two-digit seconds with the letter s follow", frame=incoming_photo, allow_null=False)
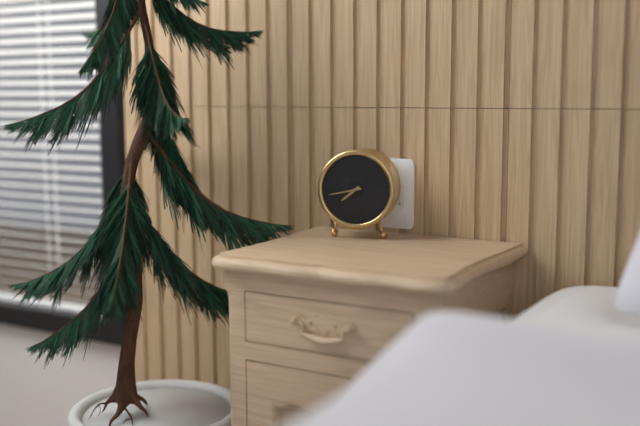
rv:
7h43
